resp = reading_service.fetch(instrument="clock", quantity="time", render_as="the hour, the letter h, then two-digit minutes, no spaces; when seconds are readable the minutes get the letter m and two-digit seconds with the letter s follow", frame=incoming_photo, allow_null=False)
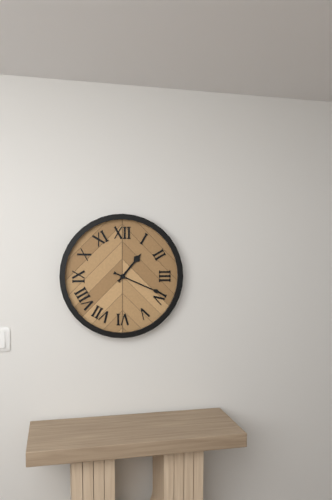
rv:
1h19
